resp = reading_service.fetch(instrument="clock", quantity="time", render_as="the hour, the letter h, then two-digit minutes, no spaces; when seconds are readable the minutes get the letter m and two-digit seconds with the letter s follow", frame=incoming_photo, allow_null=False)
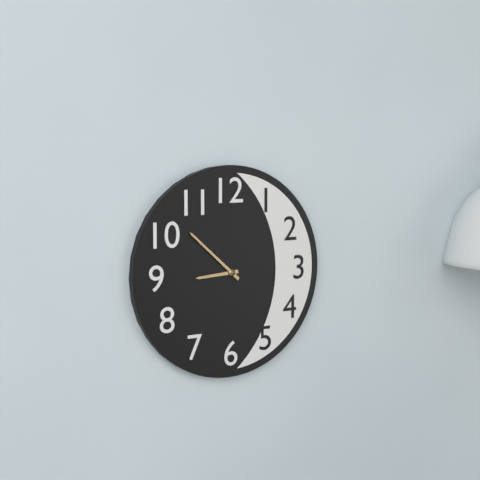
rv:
8h52
